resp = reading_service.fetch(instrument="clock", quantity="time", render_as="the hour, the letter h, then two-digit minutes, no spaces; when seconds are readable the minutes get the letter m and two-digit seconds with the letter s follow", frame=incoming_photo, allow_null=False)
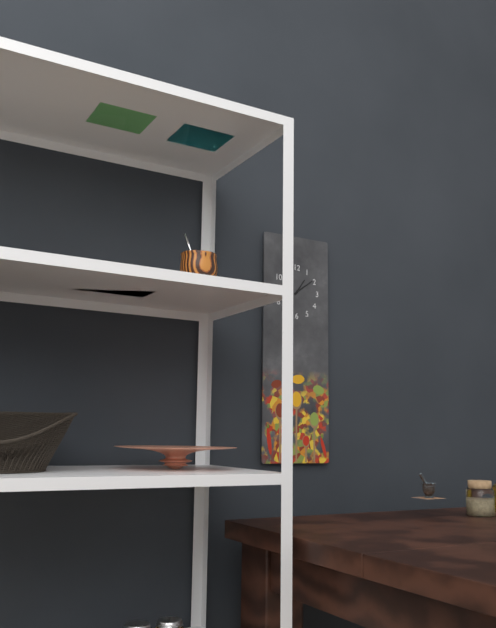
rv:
1h09
